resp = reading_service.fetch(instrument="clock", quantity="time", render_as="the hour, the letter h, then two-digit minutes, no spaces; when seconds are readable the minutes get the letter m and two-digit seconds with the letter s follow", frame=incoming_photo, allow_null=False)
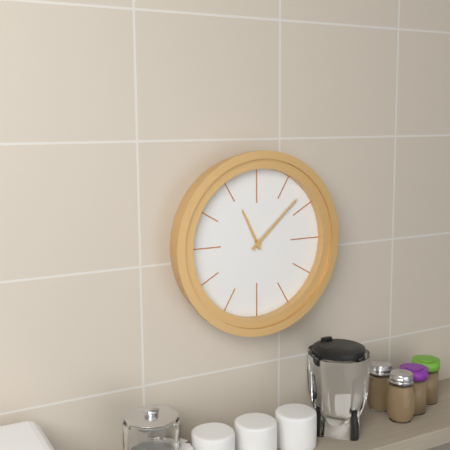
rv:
11h08
